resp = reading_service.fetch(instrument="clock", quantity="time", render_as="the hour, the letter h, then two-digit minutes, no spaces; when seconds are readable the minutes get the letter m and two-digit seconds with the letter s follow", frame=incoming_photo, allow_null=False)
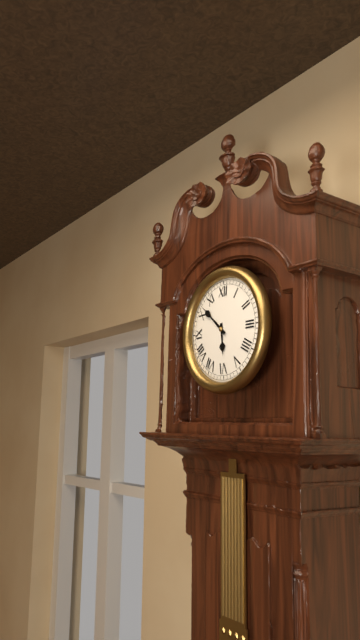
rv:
5h52
